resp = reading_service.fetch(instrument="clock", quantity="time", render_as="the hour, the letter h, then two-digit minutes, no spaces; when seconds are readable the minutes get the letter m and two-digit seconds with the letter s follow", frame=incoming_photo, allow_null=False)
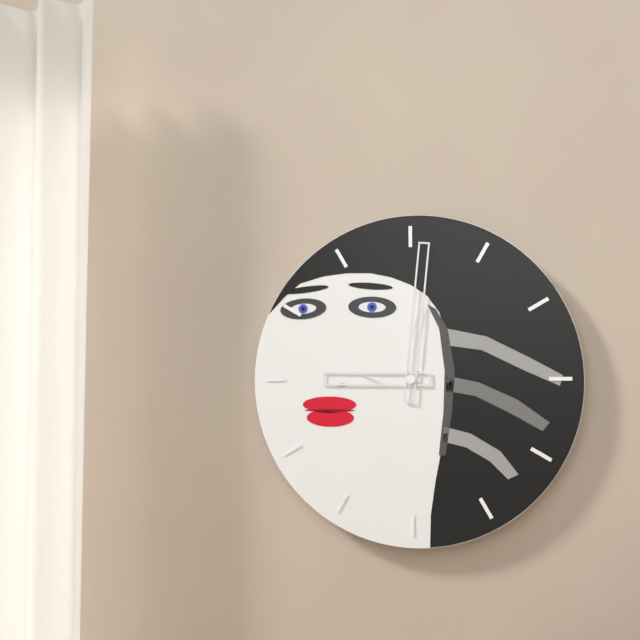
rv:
9h01
